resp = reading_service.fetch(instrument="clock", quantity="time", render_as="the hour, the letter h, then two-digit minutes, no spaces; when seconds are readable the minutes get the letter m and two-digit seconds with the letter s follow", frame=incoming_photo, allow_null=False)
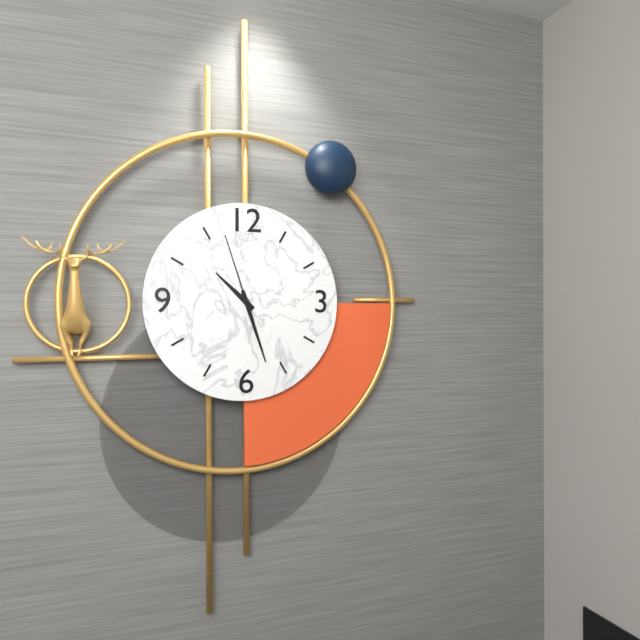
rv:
10h27m57s
